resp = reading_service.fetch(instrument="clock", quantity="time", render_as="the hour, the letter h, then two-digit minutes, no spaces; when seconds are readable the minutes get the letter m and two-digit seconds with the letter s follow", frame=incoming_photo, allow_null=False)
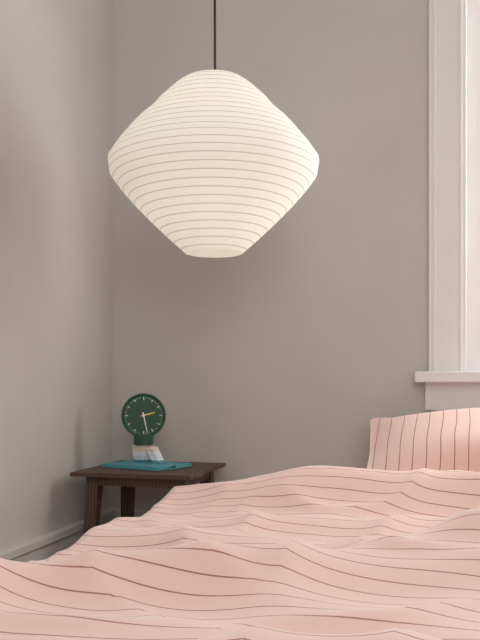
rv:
2h28
